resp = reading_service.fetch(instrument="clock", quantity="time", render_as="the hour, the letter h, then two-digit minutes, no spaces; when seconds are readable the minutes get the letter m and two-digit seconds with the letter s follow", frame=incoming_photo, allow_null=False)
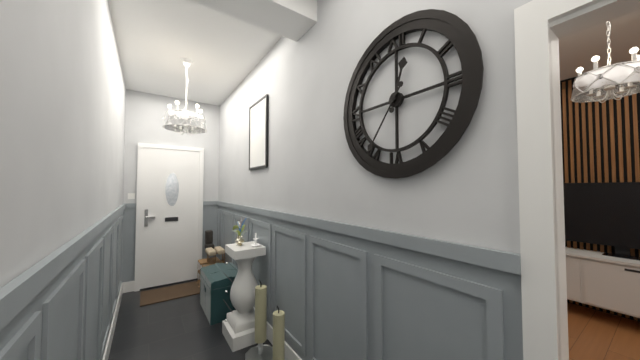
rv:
12h36
